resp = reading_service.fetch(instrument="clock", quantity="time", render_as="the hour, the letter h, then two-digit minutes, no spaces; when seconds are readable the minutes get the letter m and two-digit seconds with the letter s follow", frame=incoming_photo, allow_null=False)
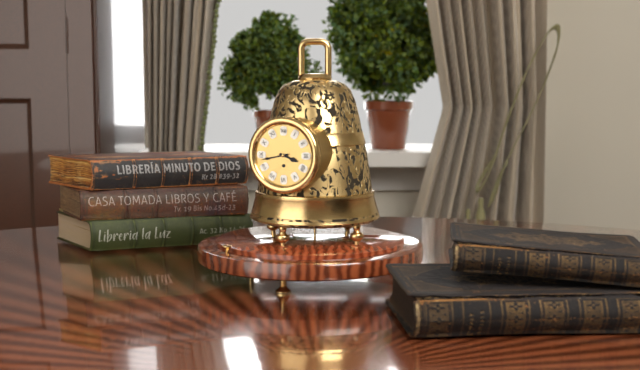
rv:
3h43
